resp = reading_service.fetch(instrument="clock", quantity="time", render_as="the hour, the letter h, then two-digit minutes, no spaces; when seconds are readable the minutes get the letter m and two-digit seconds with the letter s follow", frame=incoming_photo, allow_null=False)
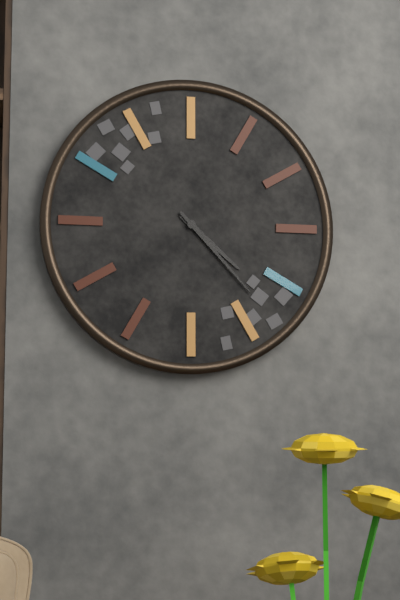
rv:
4h23
